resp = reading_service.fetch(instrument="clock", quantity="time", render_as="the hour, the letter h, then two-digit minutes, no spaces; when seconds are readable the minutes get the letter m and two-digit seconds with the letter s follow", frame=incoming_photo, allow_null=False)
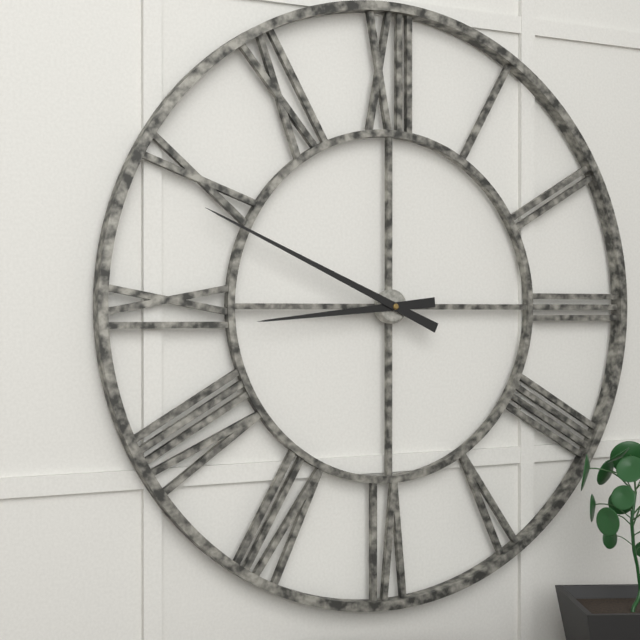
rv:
8h49
